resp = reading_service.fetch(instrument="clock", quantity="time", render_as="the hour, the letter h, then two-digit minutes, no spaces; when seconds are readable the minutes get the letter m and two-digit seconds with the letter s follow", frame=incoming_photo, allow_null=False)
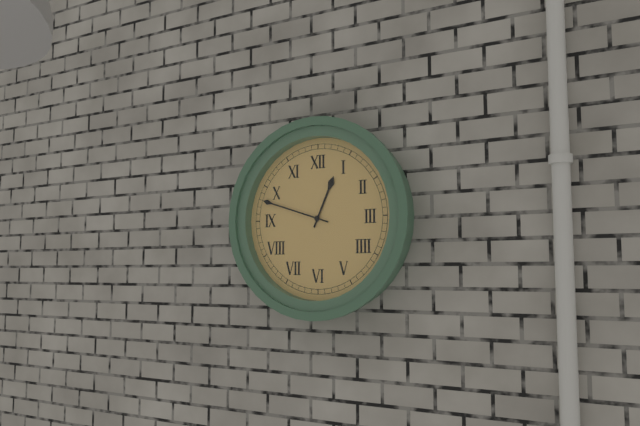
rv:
12h48
